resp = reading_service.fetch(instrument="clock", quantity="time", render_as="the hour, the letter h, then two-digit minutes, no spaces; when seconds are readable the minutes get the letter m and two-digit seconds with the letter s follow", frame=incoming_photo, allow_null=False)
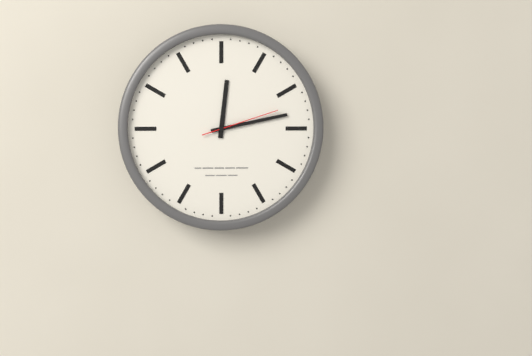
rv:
12h13m12s
